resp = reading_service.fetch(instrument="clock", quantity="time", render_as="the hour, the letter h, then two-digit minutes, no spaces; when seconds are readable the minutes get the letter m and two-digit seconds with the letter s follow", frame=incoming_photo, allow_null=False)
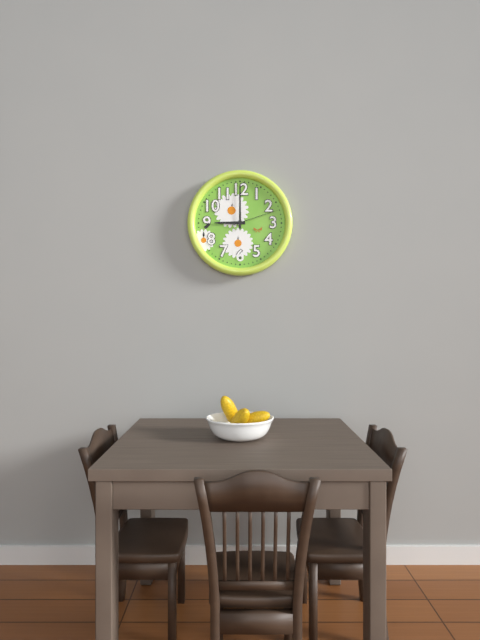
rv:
9h00m12s
